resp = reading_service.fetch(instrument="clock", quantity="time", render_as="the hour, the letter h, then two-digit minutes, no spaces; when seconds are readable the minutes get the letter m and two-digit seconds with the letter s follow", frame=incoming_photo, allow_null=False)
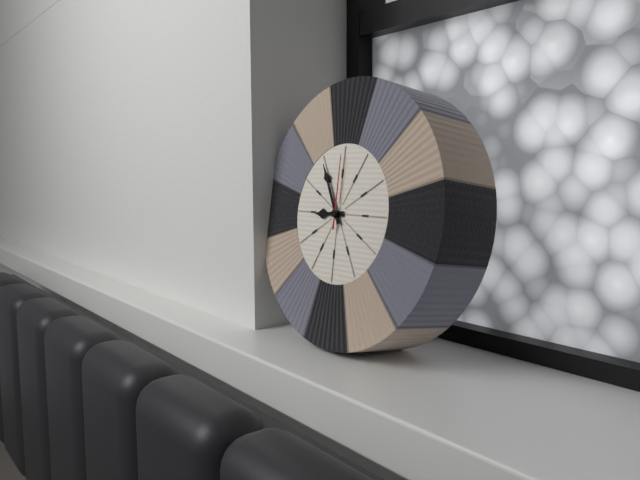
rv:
8h55m00s
